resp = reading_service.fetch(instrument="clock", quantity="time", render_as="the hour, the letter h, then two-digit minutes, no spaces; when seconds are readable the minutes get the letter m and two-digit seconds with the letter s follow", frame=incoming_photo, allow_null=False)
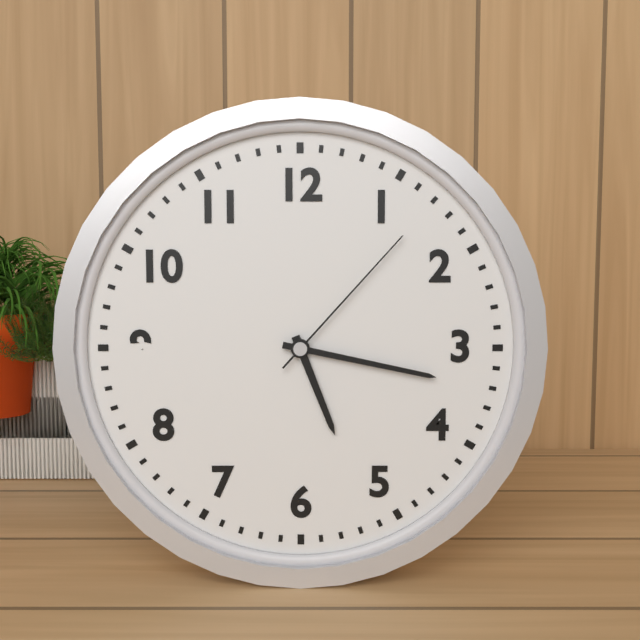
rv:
5h17m07s
